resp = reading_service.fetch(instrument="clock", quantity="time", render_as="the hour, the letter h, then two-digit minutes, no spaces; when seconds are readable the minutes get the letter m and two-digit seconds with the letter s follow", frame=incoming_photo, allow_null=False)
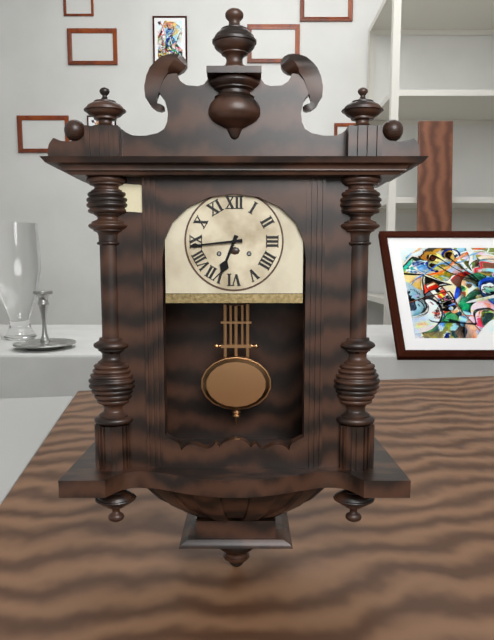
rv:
6h44
